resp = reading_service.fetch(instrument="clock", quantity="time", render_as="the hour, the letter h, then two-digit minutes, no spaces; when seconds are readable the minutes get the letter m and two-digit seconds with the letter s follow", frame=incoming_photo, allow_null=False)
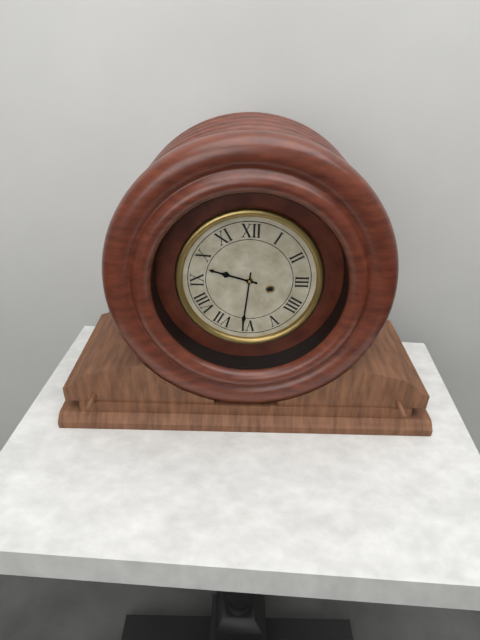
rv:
9h31
